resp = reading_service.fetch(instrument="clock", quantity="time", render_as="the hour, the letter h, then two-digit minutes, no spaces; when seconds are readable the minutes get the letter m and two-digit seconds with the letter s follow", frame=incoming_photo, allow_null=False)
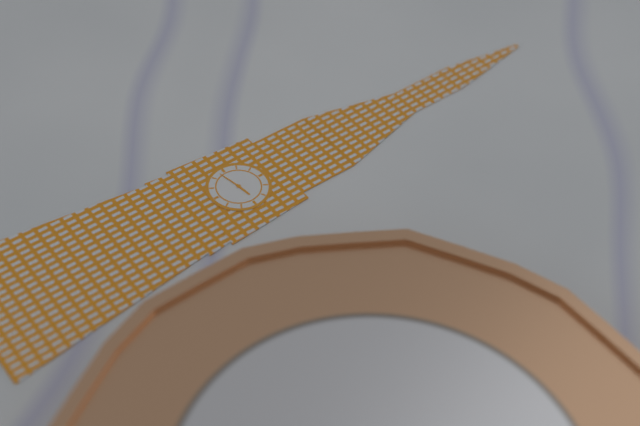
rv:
2h43
